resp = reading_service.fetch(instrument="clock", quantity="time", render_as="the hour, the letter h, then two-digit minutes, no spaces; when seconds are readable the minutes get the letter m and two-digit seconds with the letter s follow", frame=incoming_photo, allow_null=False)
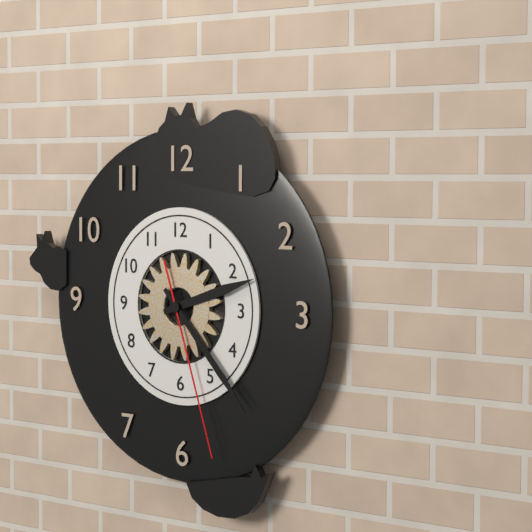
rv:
2h23m27s
